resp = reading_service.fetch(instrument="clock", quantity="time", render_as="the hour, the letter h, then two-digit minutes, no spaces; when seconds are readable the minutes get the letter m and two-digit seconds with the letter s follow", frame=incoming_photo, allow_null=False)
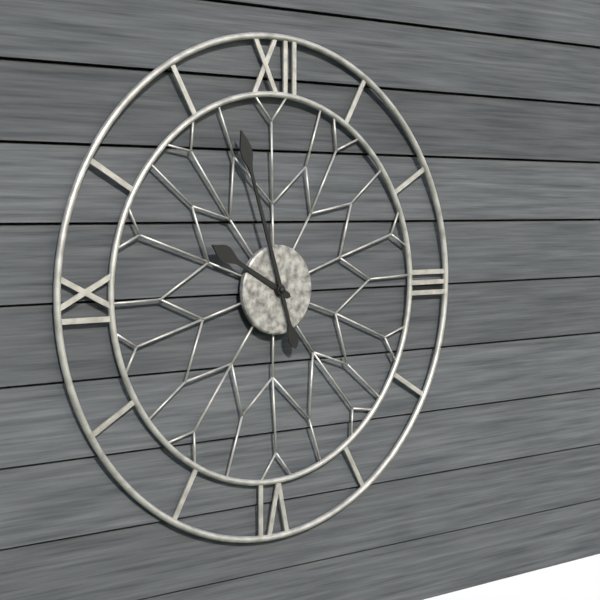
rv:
9h57
